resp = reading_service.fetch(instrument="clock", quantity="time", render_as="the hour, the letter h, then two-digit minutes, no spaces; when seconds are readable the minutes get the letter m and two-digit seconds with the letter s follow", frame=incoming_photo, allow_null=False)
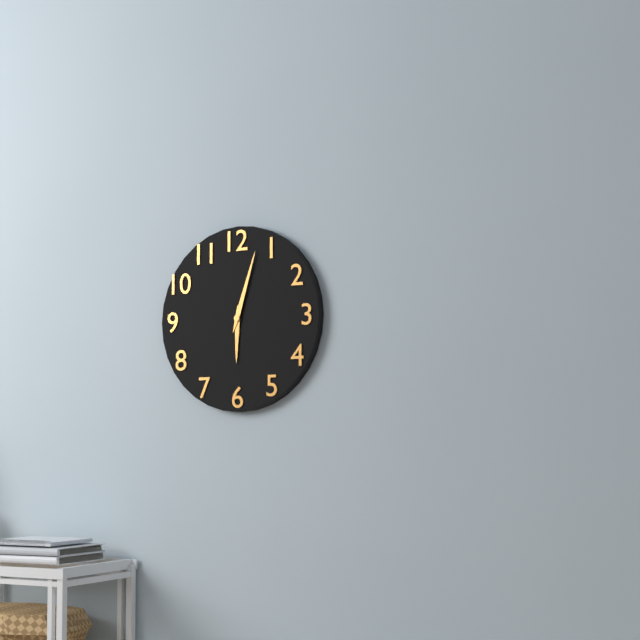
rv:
6h03
